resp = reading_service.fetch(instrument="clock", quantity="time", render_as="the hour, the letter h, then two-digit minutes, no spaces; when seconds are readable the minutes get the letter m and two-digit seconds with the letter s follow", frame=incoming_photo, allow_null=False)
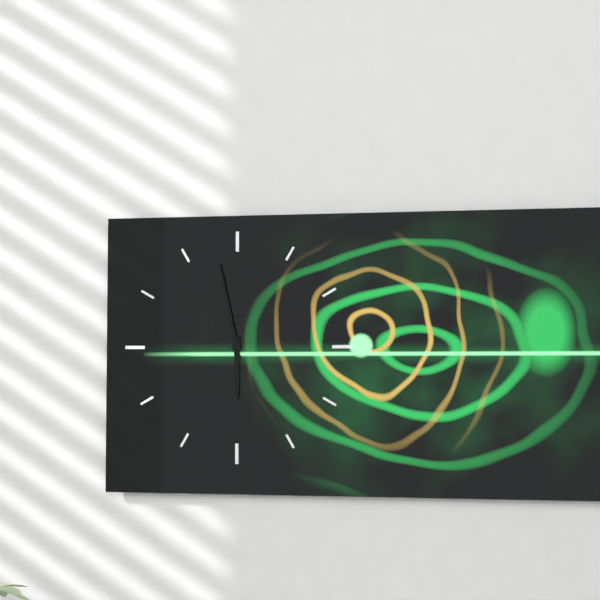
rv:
5h58
